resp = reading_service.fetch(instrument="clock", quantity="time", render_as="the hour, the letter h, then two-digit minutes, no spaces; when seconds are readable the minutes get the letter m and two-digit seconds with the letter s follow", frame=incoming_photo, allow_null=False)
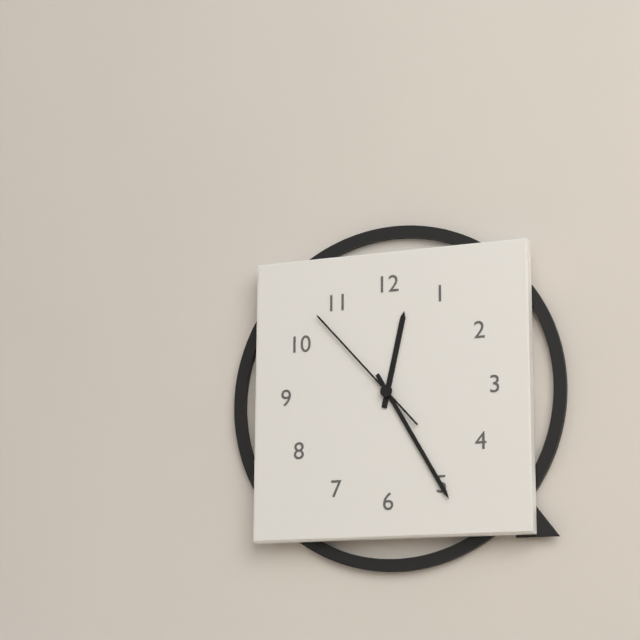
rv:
12h25m53s
